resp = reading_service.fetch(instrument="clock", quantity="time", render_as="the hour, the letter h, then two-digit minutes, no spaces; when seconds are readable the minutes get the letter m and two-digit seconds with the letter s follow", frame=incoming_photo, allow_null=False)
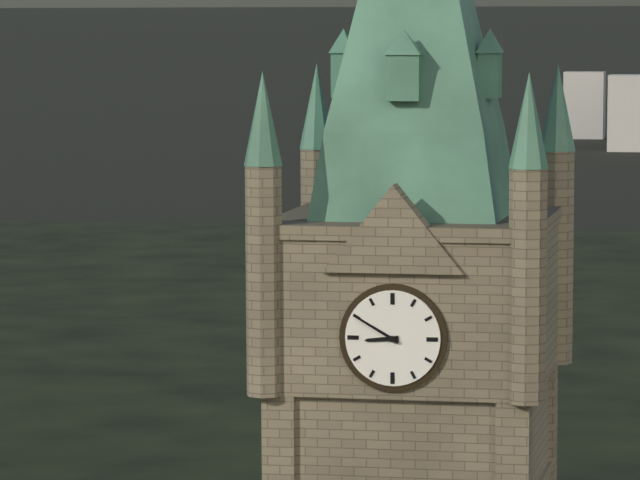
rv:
8h50
